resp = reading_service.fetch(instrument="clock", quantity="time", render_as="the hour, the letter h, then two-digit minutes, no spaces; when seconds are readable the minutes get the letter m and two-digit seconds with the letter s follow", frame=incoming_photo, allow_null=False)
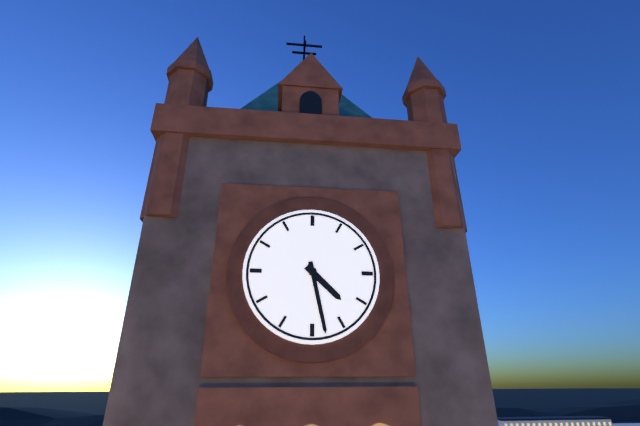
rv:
4h28
